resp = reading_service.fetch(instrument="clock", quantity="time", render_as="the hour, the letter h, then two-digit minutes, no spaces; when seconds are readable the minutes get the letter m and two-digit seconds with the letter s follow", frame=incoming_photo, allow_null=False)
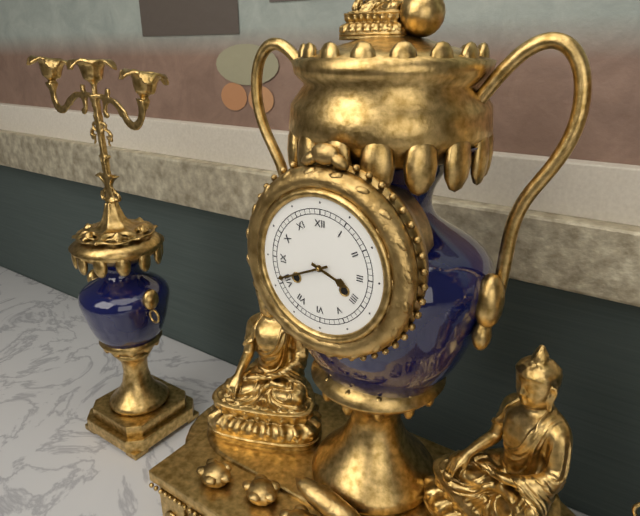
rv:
3h41
